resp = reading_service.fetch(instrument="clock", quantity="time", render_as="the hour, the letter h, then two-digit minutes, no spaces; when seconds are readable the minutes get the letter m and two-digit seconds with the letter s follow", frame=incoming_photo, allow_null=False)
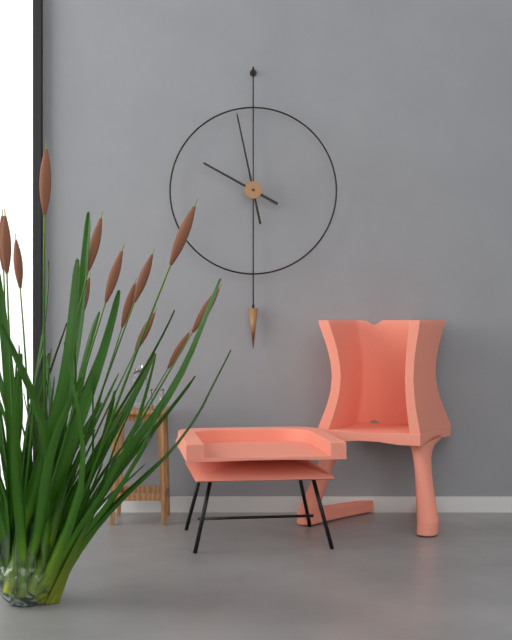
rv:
9h58
